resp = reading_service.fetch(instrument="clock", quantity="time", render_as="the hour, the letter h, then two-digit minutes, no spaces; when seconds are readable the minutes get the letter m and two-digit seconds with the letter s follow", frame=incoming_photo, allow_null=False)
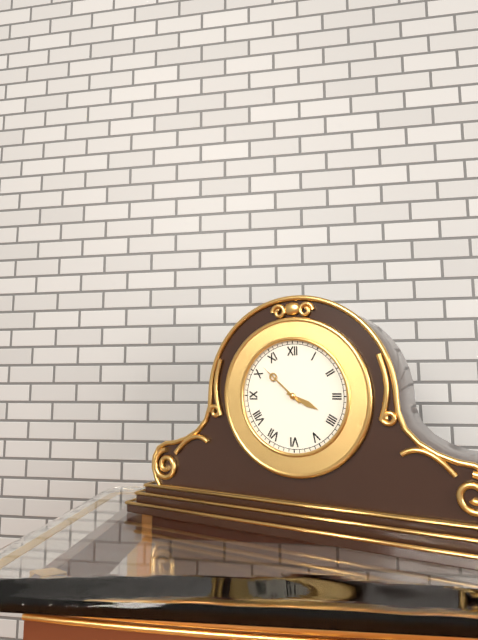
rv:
3h52
